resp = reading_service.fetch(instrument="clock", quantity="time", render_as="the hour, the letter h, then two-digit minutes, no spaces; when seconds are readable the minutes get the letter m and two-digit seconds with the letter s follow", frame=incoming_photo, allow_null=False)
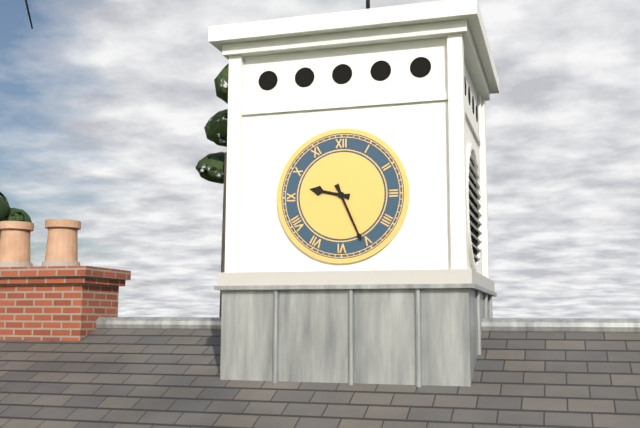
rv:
9h26
